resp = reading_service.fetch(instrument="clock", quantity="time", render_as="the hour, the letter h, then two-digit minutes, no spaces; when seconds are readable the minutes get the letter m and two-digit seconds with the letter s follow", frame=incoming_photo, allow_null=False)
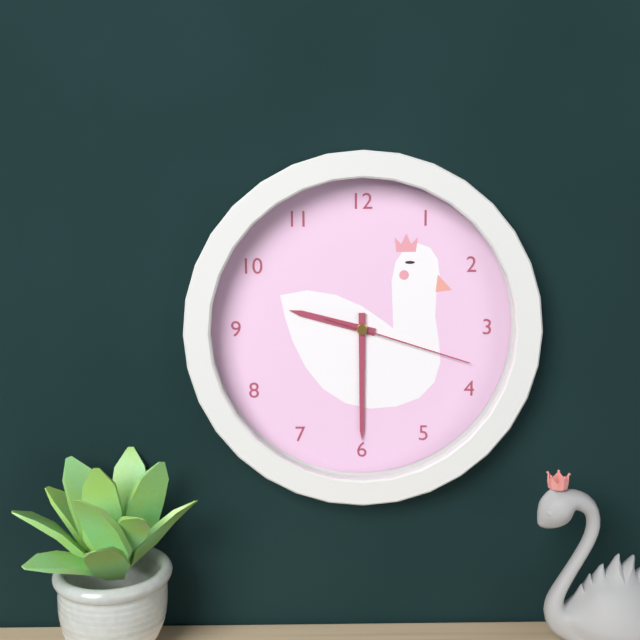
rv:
9h30m18s
